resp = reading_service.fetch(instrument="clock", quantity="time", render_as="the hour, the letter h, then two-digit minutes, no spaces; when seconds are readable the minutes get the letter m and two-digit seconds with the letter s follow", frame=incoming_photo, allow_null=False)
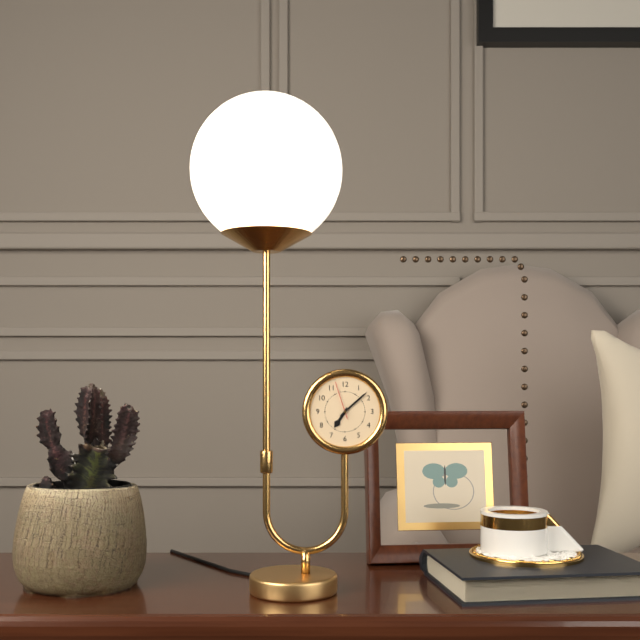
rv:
7h08
